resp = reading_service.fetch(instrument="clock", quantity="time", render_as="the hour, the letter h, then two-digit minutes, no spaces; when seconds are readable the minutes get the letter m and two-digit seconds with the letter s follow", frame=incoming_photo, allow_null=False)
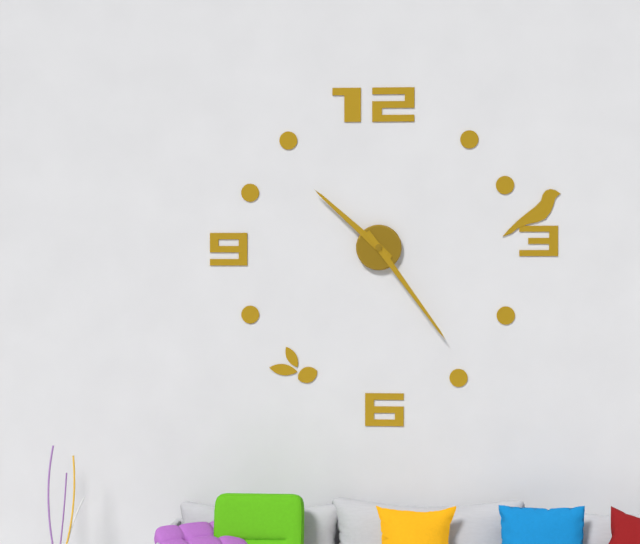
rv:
10h24
